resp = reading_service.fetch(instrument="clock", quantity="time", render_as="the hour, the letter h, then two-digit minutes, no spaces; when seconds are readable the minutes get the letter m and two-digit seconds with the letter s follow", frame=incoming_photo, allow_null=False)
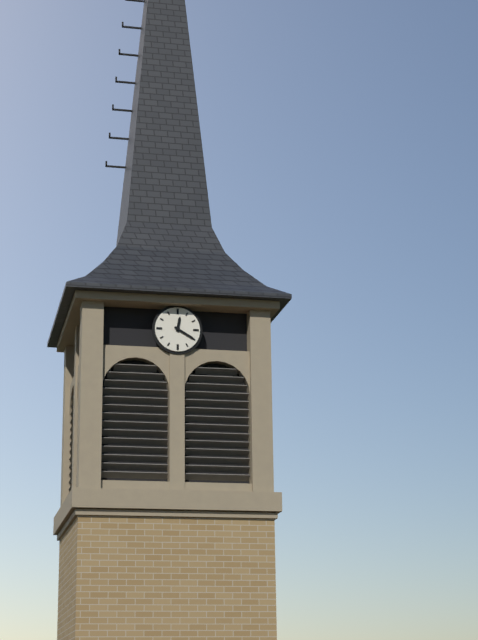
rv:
12h20
